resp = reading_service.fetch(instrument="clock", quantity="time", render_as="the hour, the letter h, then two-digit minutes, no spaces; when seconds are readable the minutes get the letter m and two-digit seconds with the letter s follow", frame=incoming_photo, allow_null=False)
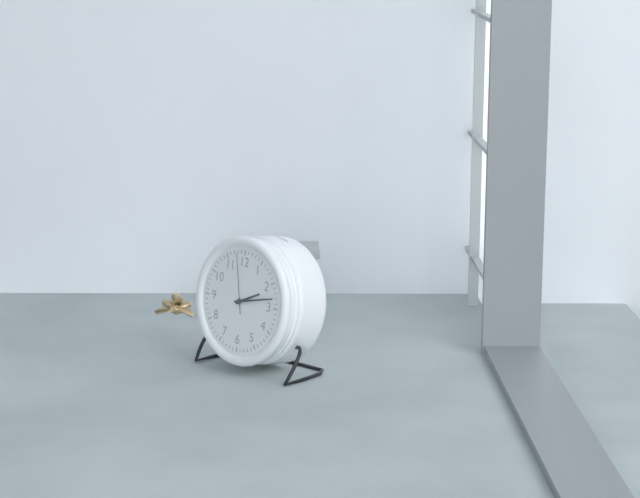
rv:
2h13m58s
